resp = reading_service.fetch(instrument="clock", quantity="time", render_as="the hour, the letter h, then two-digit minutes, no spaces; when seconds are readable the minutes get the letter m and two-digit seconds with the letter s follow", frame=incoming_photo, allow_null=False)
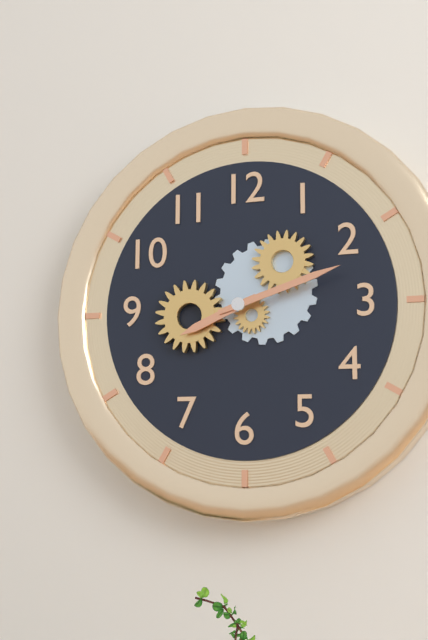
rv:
8h12
